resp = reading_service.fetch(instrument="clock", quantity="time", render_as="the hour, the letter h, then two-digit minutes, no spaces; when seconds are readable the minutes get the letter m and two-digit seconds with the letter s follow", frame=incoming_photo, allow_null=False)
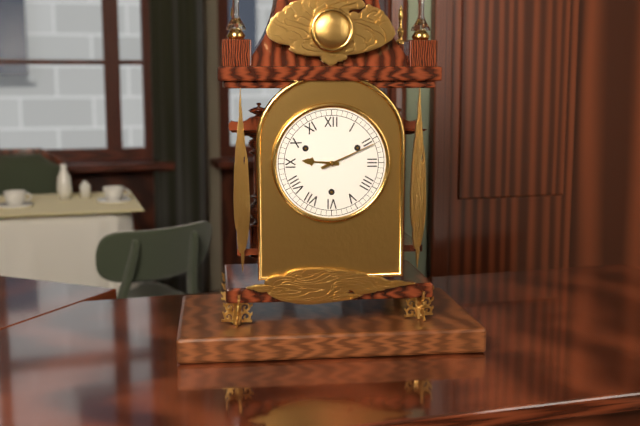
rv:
9h11
